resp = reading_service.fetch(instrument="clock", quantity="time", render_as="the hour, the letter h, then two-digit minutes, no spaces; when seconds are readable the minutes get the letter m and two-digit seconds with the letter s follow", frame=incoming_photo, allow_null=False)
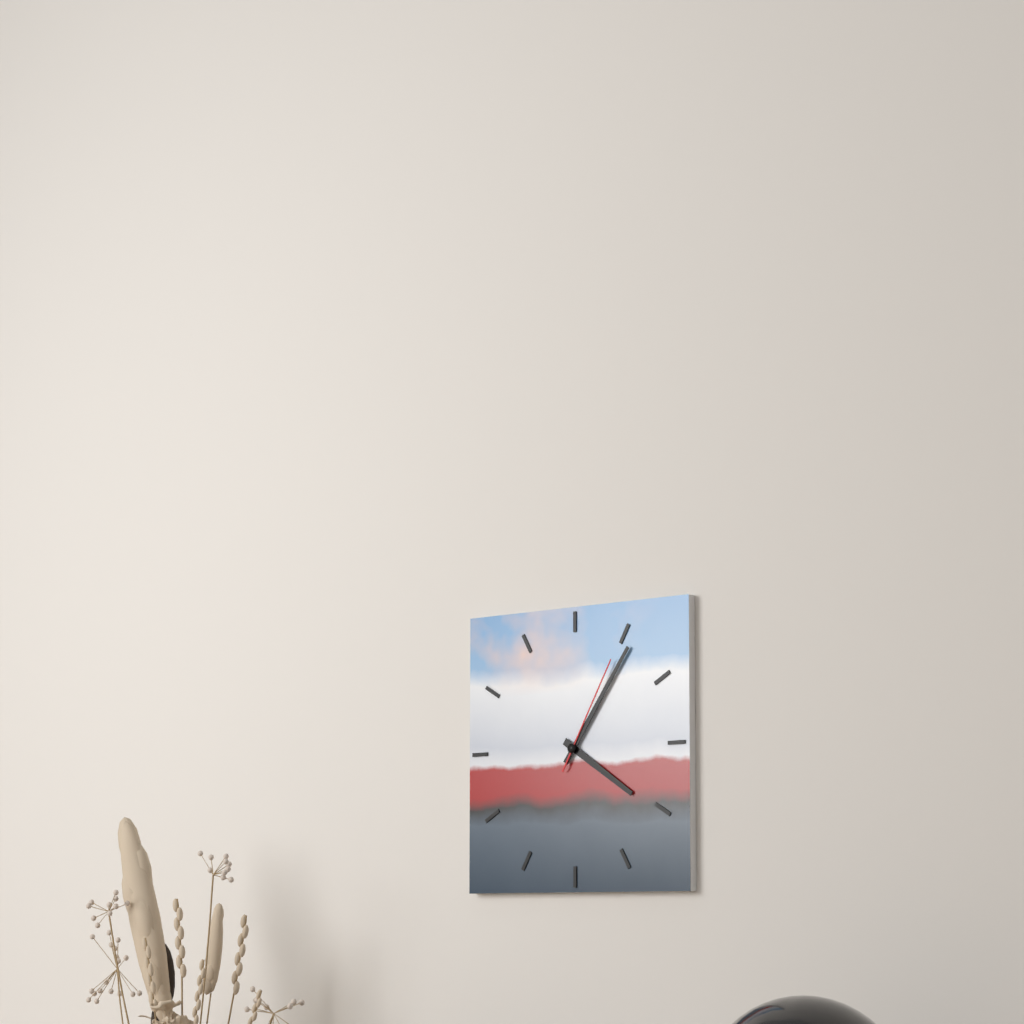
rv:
4h06m05s
